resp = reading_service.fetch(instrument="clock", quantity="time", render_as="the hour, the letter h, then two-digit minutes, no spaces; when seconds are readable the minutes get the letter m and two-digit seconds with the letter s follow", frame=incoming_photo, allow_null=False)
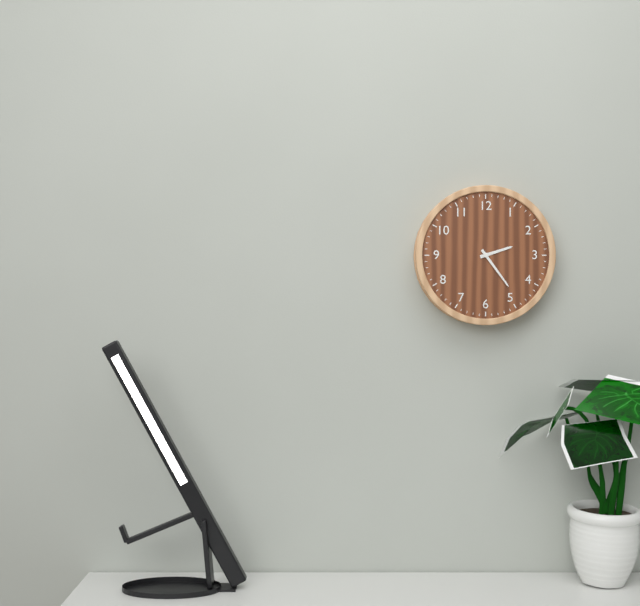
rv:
2h24
